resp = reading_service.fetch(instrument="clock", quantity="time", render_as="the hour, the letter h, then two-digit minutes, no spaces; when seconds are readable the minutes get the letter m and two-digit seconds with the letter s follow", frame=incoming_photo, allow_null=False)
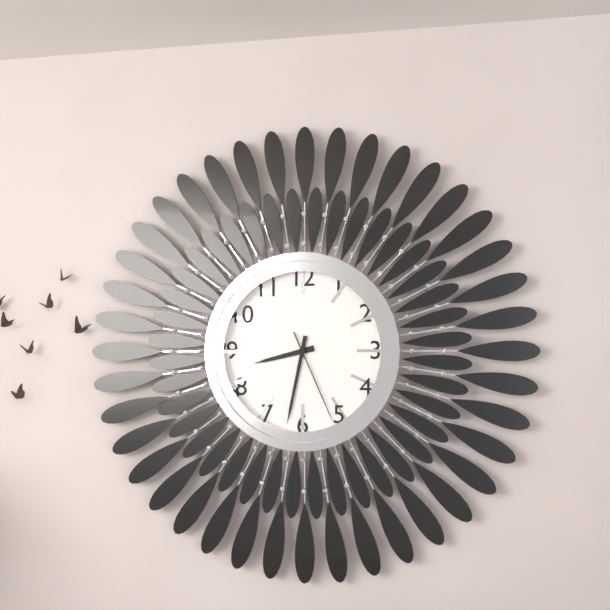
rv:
8h32m26s
